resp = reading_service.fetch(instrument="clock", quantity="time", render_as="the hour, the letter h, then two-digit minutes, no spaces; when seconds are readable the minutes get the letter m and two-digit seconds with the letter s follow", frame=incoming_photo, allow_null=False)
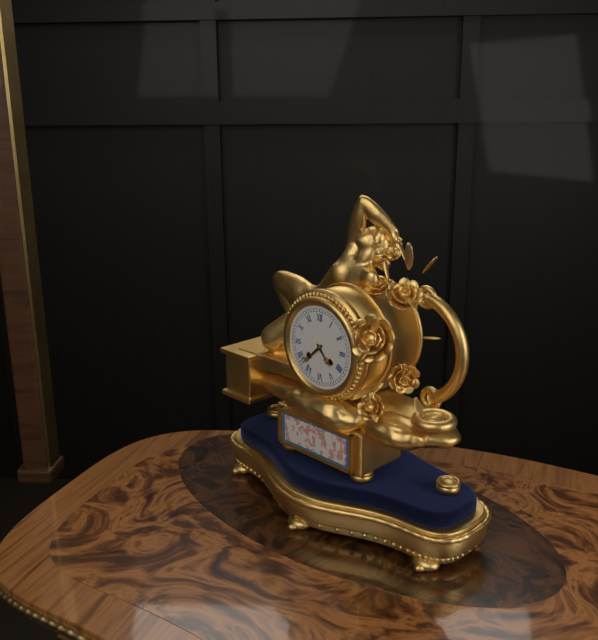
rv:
4h38
